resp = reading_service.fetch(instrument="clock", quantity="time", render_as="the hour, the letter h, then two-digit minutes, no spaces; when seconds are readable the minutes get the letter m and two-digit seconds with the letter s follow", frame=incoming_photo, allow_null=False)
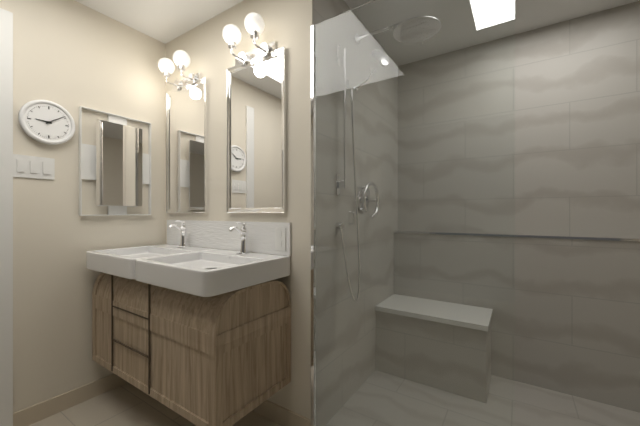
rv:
9h09
